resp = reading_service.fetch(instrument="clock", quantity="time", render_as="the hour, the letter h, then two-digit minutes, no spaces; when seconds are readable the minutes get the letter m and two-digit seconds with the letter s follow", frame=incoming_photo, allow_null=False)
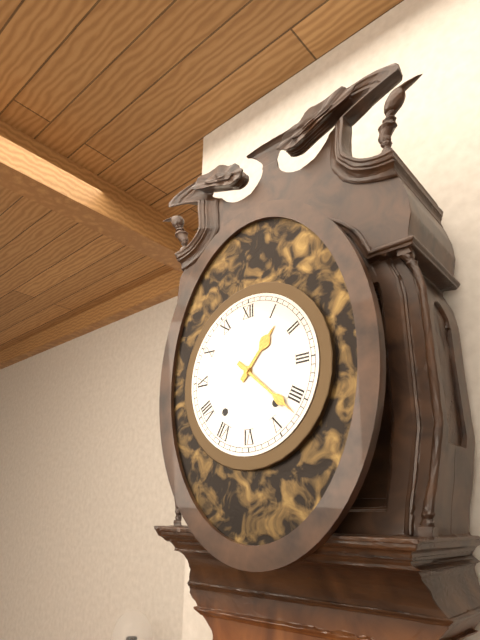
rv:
1h22
